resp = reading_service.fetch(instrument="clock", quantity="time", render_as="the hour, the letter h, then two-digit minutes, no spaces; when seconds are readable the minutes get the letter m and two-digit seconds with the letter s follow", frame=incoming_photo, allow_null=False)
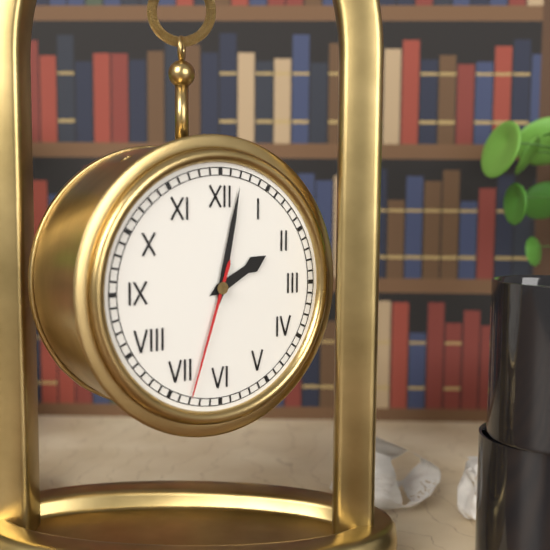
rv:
2h02m33s
